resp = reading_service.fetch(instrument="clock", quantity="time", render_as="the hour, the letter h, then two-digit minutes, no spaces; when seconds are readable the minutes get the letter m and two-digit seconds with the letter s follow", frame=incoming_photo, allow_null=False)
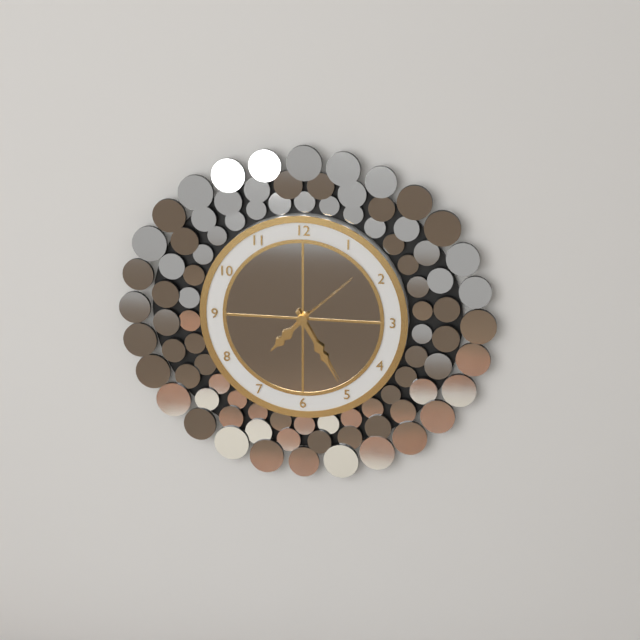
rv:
7h25m08s
